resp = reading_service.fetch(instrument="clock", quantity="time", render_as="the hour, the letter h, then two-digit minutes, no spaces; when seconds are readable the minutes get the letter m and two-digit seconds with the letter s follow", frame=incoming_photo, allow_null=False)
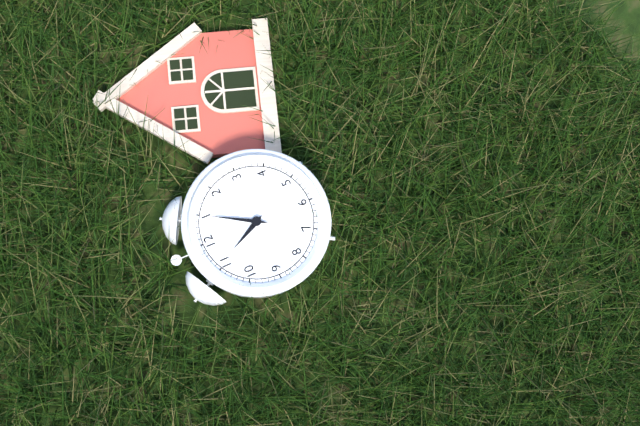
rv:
11h05
